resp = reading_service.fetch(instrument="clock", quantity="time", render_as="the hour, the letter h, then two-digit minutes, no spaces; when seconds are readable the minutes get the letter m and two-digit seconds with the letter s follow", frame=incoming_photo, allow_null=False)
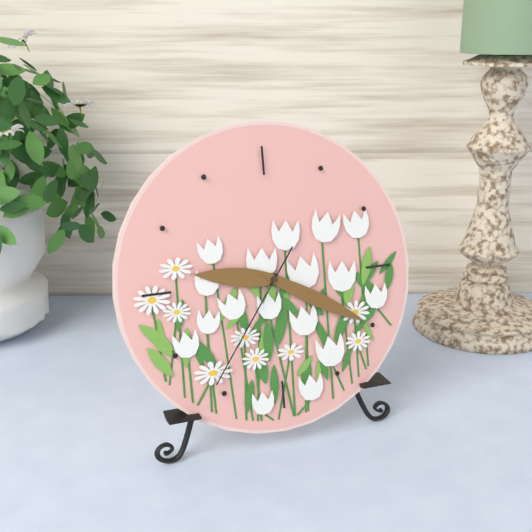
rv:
9h20m36s
